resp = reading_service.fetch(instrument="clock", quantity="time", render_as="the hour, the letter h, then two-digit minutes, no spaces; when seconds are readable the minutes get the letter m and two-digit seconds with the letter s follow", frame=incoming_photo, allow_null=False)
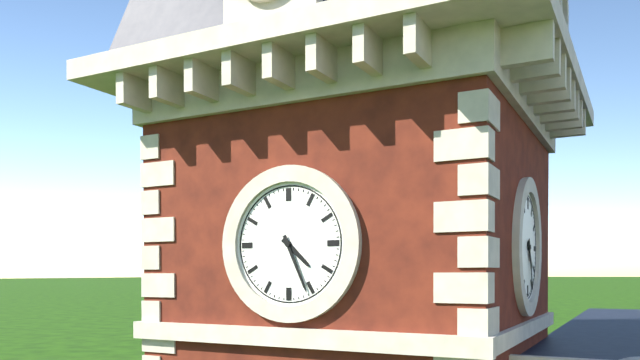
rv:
4h26
